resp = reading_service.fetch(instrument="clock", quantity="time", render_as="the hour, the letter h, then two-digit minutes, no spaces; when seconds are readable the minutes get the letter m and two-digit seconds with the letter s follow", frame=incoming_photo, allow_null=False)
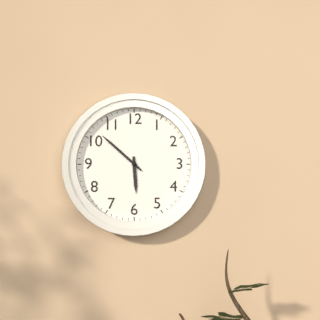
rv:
5h52
